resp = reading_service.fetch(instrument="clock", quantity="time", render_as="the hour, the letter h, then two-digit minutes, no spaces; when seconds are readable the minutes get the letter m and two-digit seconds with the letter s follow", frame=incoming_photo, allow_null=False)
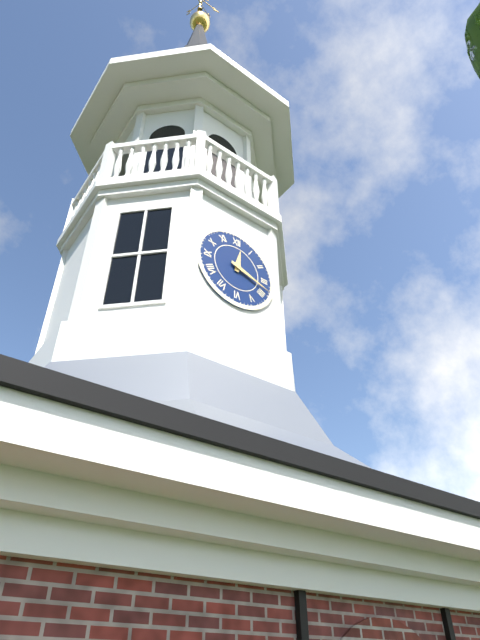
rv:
12h18
